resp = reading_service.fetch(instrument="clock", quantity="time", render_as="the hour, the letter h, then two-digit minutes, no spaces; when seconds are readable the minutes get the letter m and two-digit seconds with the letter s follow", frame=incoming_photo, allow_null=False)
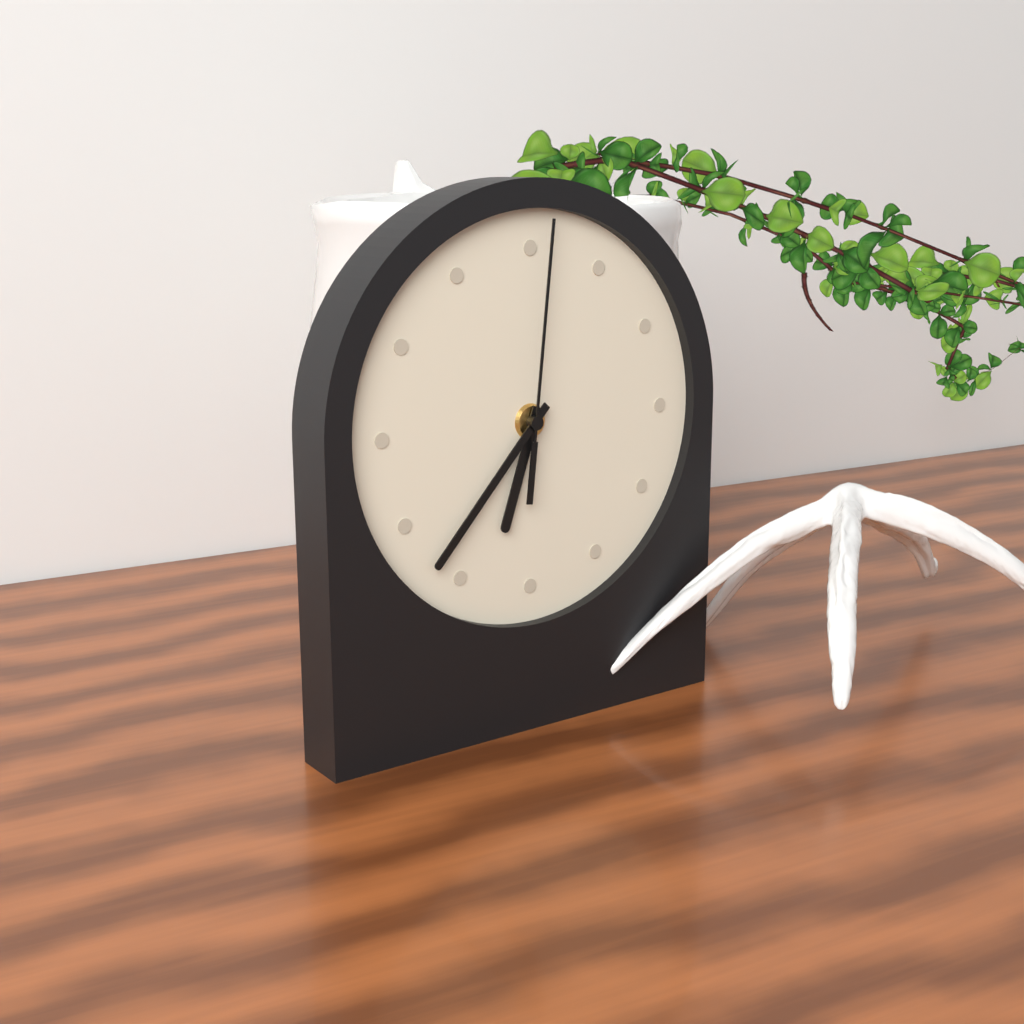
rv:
6h37m01s
